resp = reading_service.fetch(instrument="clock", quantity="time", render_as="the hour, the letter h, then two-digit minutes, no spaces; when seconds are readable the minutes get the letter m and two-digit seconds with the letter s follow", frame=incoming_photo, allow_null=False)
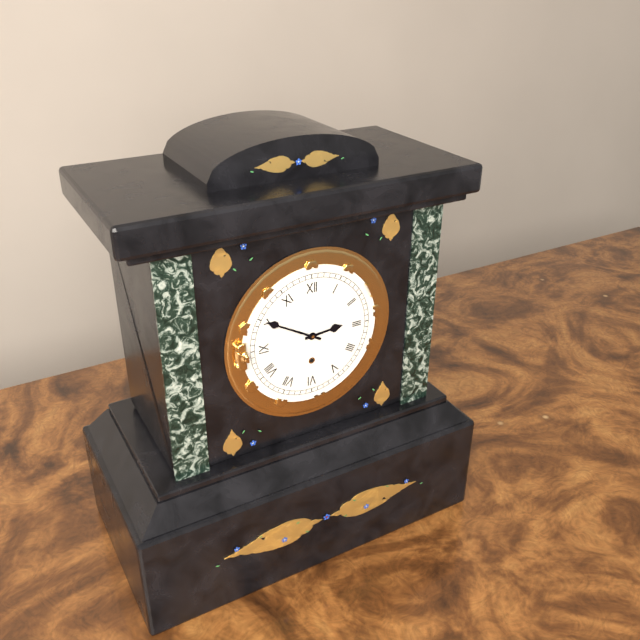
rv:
2h50
